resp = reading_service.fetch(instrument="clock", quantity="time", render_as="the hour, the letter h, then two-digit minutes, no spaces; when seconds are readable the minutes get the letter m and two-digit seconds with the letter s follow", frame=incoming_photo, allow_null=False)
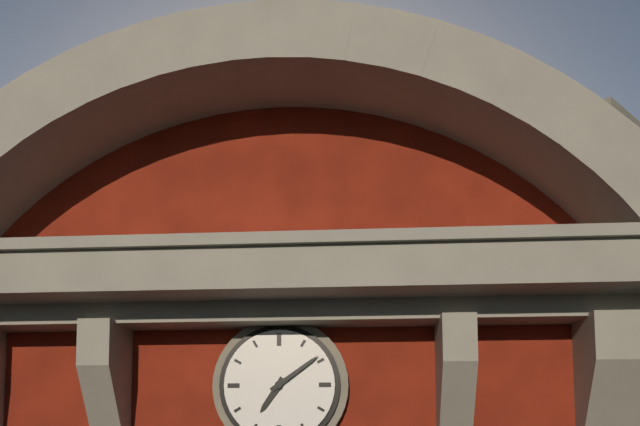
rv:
7h09
